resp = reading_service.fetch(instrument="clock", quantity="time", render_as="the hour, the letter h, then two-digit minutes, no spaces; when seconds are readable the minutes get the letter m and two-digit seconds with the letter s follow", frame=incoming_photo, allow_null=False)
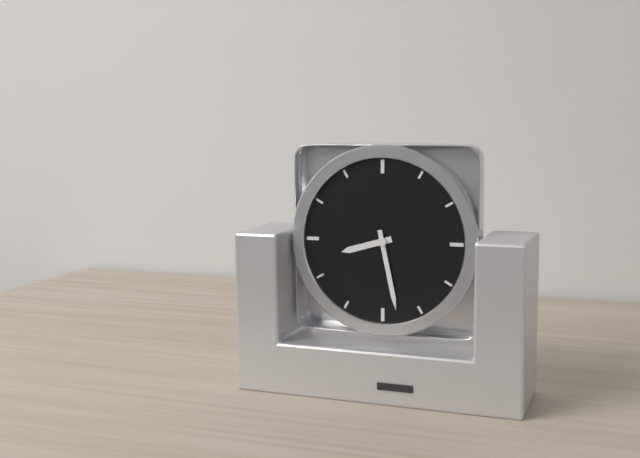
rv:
8h28
